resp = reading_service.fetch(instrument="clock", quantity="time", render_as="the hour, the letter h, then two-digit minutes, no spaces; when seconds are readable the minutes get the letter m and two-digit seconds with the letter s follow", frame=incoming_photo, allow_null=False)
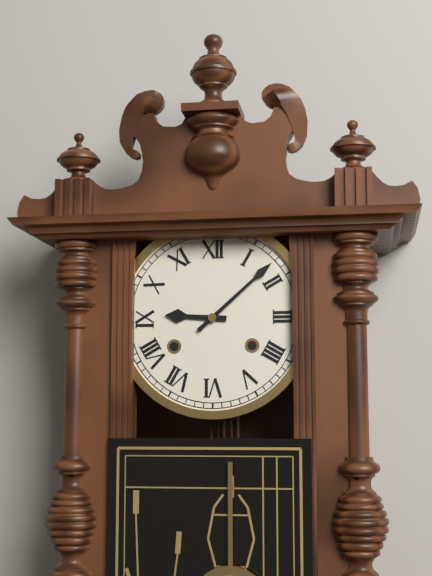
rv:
9h08
